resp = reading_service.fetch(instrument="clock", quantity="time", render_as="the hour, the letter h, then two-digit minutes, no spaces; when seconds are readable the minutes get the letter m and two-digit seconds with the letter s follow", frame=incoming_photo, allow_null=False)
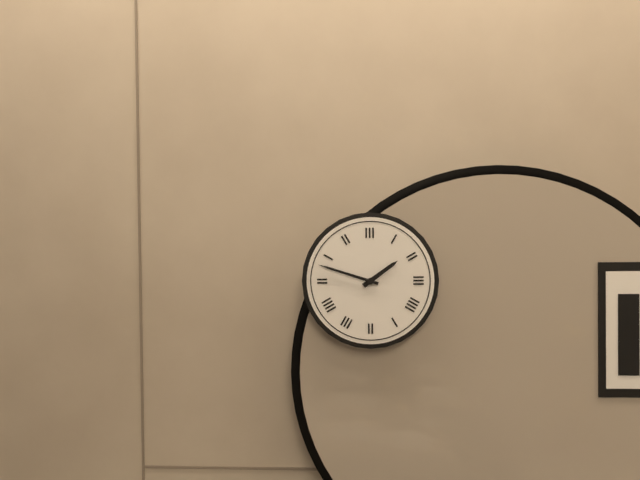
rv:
1h48
